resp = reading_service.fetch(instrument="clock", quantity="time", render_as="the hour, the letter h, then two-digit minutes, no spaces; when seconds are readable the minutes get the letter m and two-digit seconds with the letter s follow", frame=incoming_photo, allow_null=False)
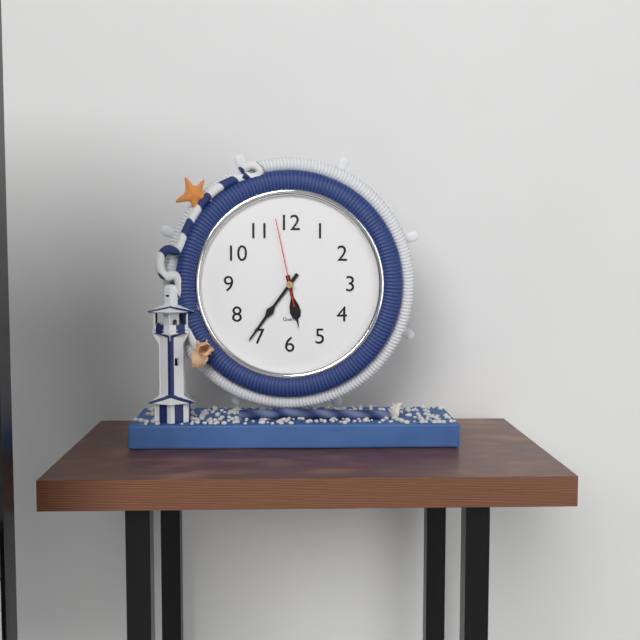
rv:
5h36m58s
